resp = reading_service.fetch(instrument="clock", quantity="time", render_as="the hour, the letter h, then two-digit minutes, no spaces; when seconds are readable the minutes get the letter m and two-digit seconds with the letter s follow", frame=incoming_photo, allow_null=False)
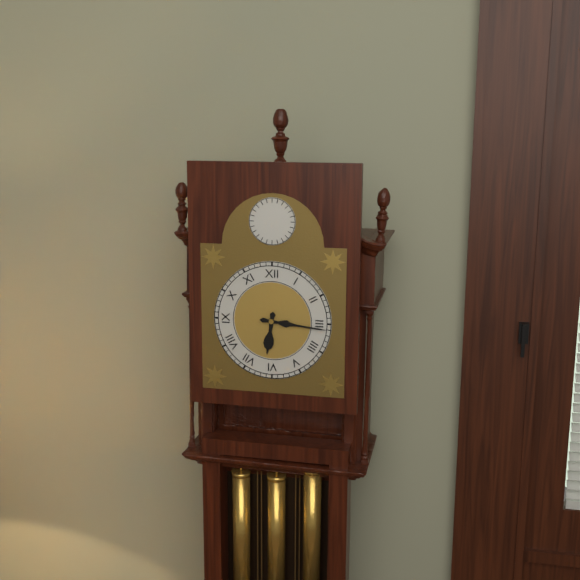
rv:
6h16
